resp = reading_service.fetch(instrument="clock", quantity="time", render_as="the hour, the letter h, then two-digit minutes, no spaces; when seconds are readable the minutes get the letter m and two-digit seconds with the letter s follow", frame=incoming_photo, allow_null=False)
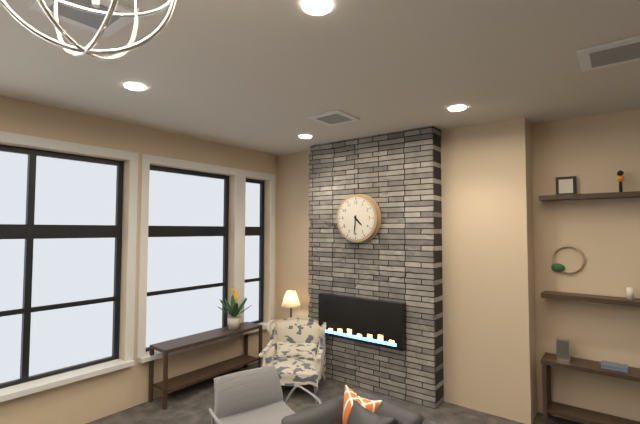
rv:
4h31
